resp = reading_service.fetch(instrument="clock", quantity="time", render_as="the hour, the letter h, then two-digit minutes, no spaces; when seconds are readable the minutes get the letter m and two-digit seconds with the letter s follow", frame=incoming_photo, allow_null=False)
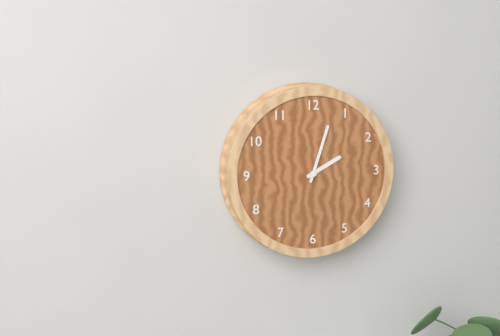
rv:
2h03
